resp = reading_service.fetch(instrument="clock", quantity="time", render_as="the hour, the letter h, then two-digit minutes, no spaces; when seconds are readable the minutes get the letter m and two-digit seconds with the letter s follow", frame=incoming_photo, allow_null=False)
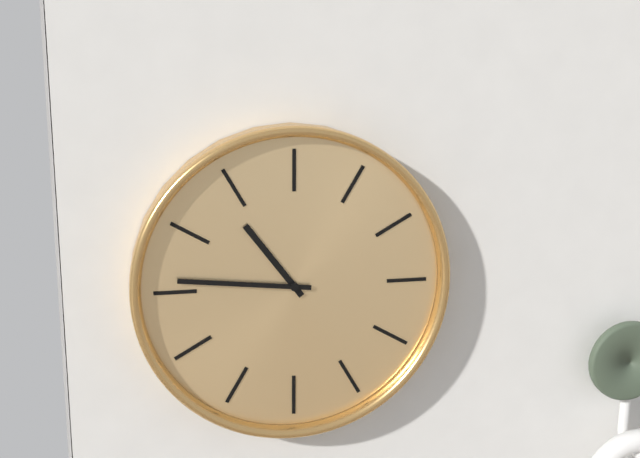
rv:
10h46
